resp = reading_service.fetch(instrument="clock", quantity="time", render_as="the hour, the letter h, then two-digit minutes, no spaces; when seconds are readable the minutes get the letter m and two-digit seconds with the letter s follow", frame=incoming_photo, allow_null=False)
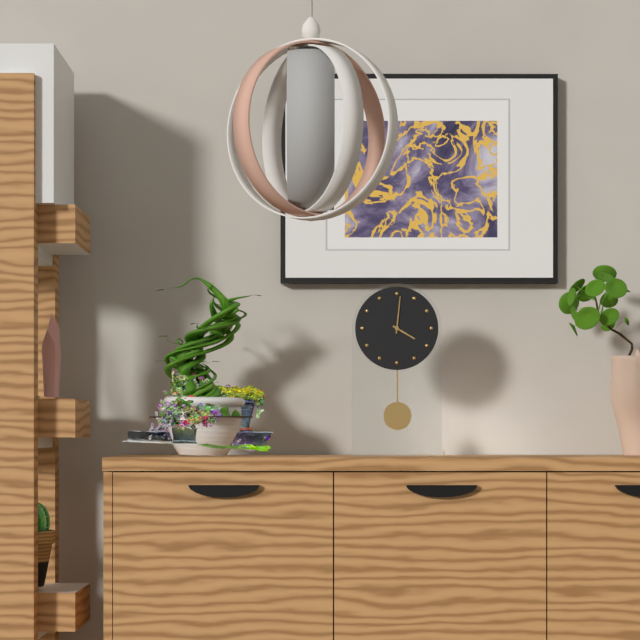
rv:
4h01
